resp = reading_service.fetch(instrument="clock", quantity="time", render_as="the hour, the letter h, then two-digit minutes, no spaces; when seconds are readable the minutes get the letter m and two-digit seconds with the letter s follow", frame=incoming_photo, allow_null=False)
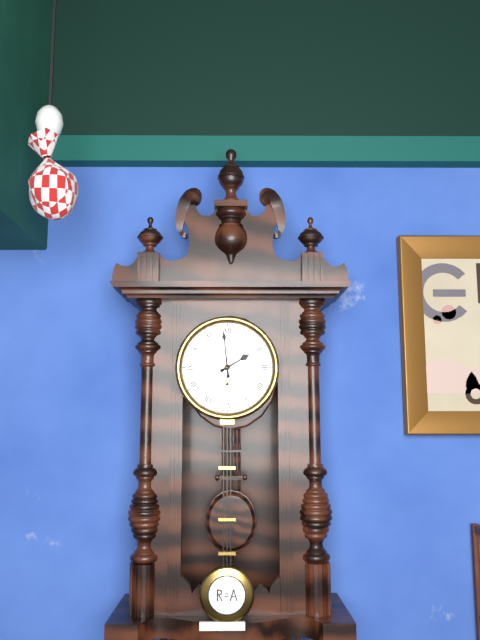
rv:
1h59
